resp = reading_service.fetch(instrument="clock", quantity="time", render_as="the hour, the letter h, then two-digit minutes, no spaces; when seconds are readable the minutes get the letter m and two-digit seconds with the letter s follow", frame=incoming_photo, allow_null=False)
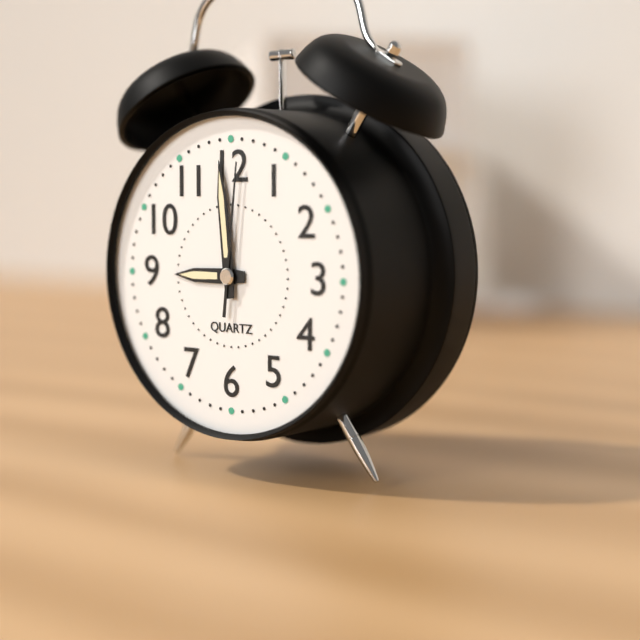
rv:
8h59m01s
